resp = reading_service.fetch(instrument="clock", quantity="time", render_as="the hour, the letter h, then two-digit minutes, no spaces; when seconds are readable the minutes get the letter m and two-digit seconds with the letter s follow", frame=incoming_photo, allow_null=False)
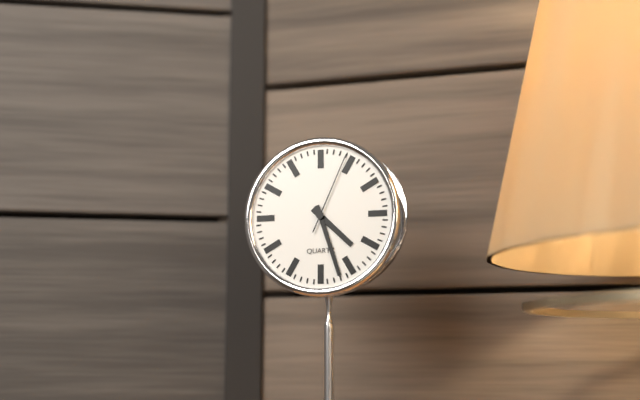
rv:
4h27m04s
